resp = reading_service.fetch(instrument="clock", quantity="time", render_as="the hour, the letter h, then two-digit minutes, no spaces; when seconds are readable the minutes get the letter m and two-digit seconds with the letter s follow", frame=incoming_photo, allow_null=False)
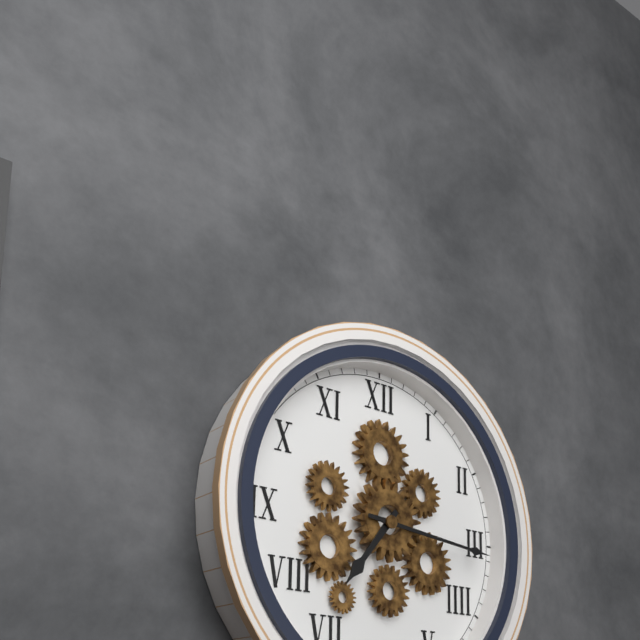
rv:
7h16
